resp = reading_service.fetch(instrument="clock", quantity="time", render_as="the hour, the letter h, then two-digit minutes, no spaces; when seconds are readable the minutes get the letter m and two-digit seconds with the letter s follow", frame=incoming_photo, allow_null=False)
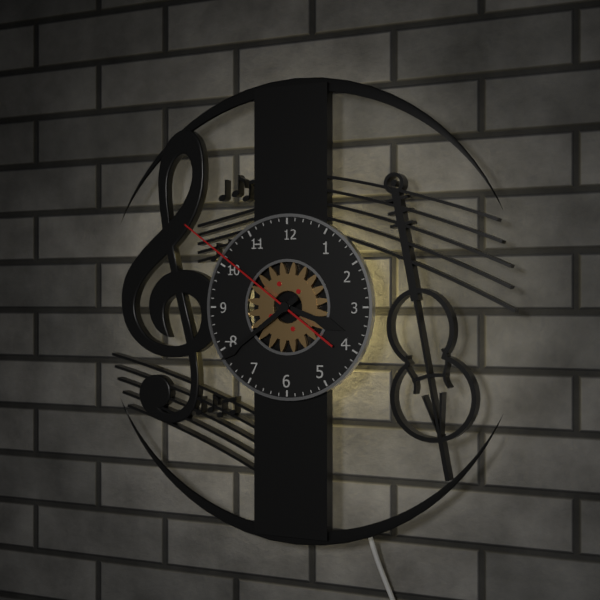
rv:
3h39m51s
